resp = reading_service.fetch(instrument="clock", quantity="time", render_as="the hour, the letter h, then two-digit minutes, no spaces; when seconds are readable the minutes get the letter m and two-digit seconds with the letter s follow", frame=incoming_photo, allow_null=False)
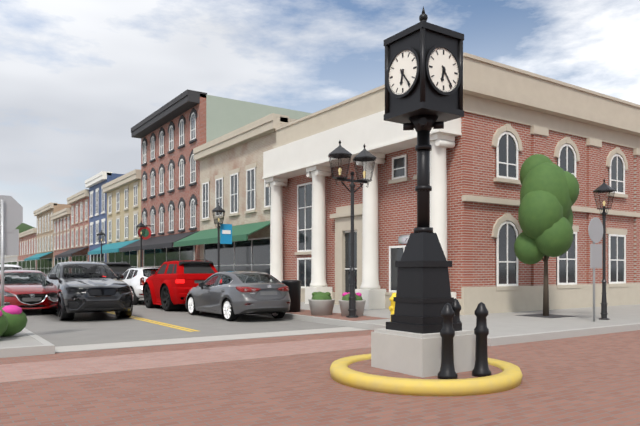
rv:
6h24
